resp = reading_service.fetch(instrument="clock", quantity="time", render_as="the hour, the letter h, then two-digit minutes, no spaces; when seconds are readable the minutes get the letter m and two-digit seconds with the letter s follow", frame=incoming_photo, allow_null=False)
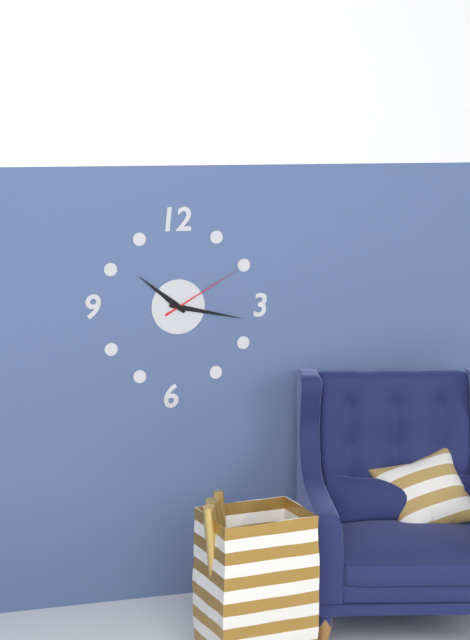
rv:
10h17m10s
